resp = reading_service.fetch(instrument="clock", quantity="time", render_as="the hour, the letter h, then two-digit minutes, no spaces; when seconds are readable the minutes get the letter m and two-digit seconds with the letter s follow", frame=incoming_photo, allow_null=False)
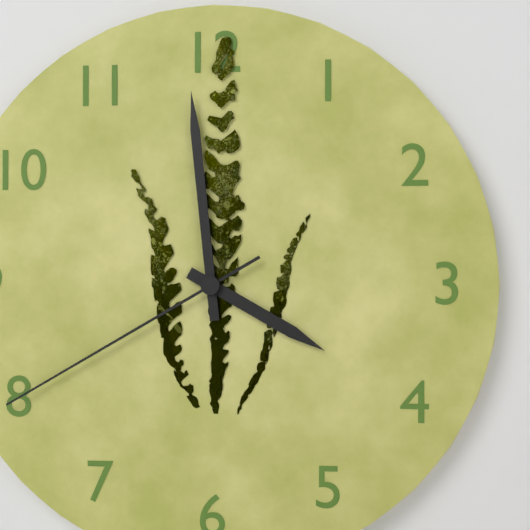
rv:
3h59m40s
